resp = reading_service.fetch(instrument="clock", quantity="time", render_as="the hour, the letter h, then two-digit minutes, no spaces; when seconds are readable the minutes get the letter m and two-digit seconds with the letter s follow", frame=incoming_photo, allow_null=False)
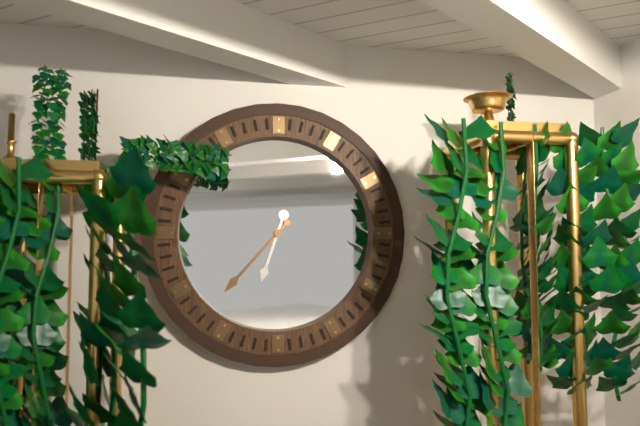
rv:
6h37
